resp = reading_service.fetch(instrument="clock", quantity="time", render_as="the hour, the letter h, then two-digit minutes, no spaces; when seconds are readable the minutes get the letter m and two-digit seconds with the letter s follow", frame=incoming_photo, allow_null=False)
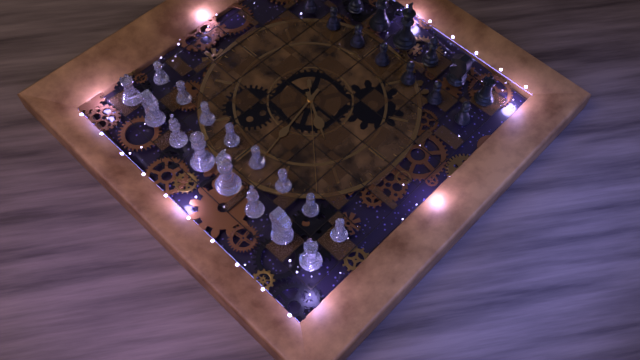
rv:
9h58m52s
